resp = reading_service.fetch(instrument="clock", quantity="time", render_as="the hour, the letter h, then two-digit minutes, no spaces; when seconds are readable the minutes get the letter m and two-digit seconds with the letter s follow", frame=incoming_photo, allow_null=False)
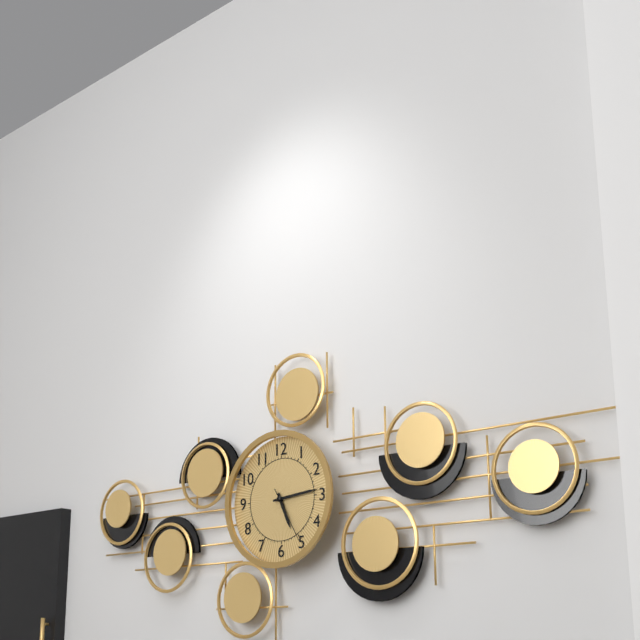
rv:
5h14m25s
